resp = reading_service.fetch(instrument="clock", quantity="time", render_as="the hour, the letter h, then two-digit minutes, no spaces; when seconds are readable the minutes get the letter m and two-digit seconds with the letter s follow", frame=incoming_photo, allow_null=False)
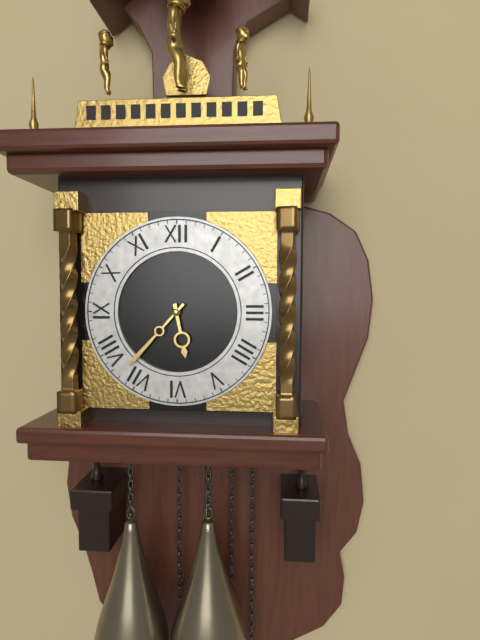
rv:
5h37
